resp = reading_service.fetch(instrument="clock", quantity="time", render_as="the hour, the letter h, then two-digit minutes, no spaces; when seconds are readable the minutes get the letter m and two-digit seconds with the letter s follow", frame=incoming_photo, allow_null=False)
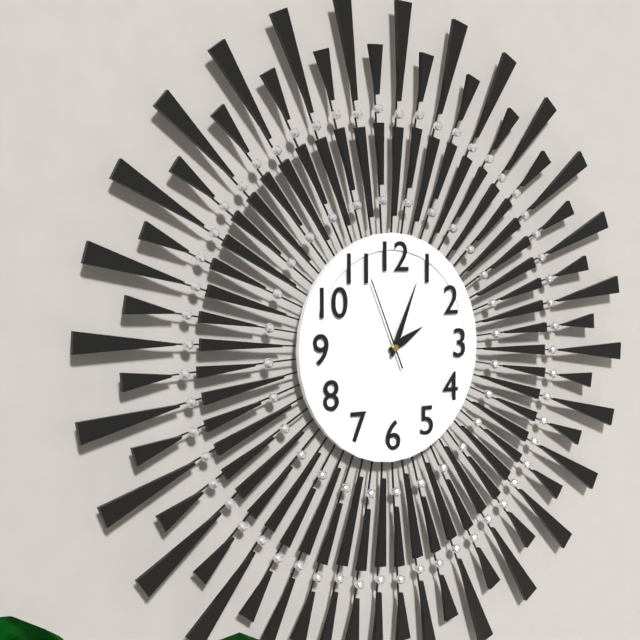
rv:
2h04m56s
